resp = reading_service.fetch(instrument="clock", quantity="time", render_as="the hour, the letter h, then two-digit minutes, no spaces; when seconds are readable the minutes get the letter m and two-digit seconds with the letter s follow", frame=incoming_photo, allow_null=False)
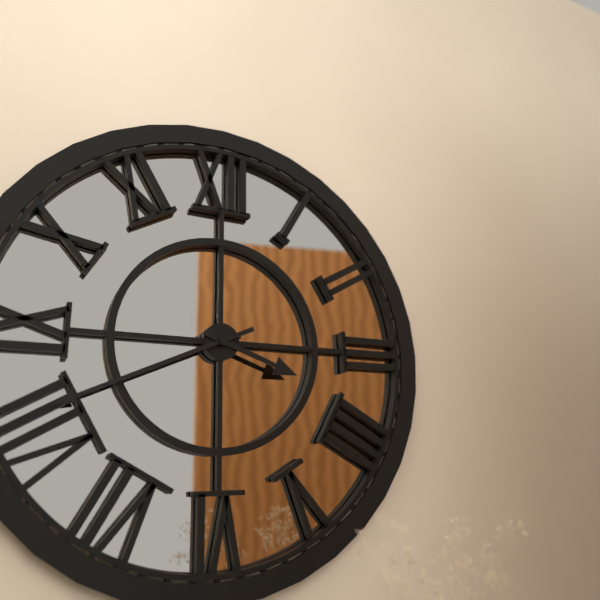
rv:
3h41
